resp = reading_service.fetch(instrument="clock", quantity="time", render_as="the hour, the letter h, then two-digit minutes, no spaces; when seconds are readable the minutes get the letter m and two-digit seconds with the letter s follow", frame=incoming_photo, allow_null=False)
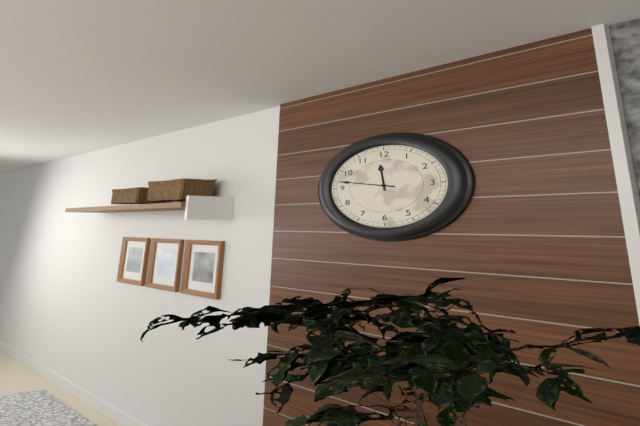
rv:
11h47
